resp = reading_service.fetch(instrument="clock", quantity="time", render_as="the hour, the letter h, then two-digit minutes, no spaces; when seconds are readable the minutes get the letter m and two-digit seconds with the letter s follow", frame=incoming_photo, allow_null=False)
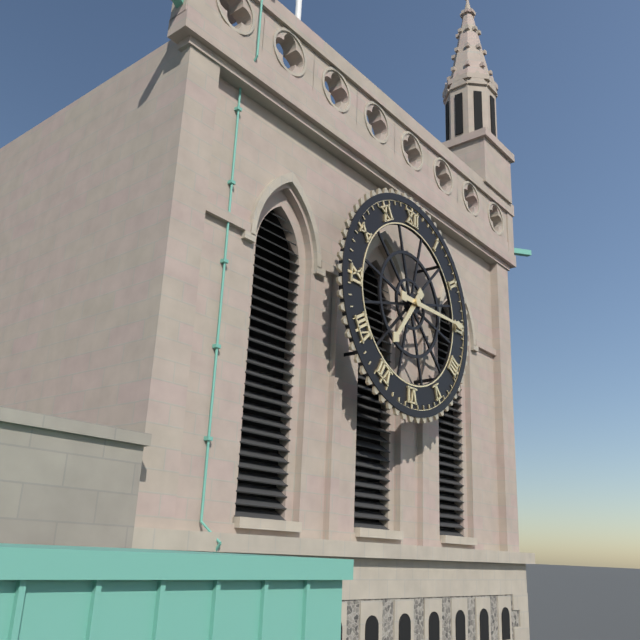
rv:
7h15
